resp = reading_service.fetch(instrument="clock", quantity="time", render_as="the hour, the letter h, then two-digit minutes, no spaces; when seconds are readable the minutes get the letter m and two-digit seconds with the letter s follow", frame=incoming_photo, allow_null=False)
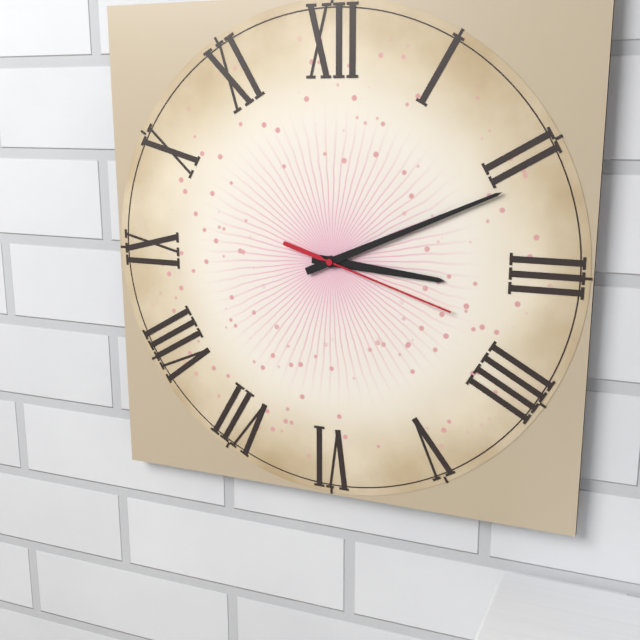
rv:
3h11m18s
